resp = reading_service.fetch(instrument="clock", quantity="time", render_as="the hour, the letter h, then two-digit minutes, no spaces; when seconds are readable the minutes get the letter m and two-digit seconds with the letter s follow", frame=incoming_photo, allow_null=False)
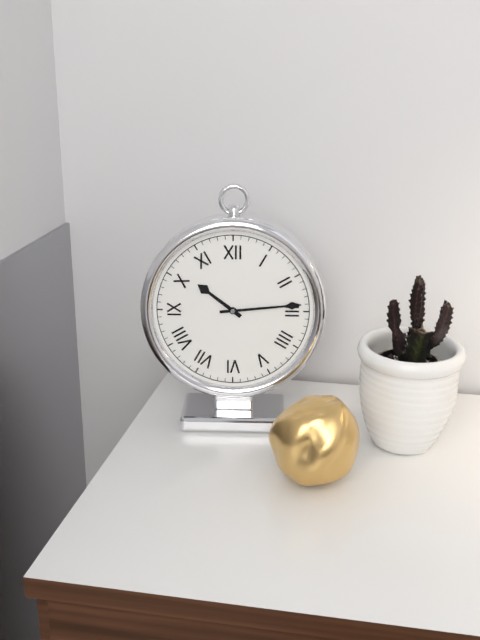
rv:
10h14
